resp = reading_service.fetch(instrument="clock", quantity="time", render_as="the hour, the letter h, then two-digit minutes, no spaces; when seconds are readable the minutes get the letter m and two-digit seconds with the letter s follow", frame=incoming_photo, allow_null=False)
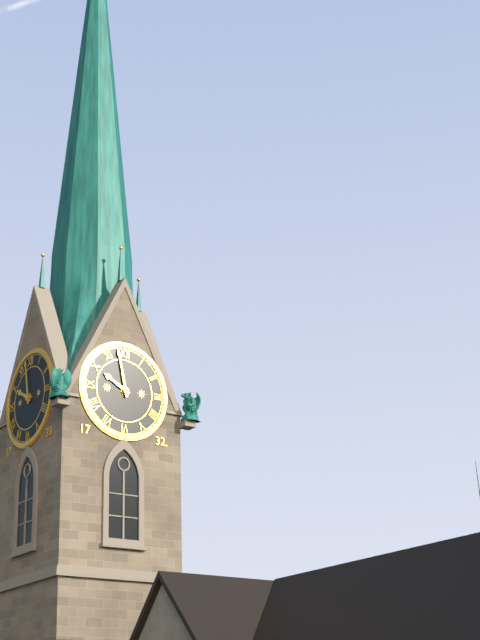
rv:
9h58
